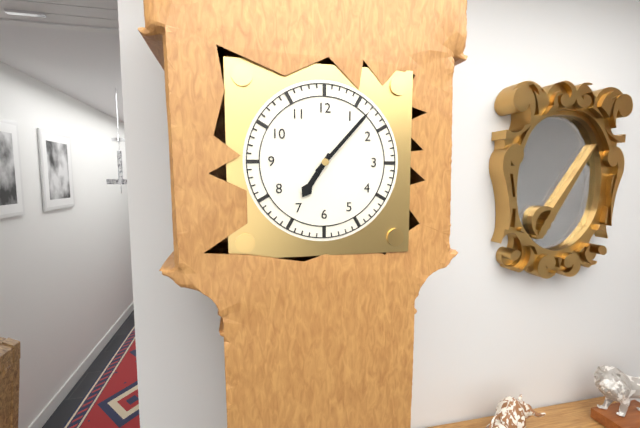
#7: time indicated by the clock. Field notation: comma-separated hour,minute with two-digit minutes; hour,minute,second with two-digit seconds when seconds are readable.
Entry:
7,07
